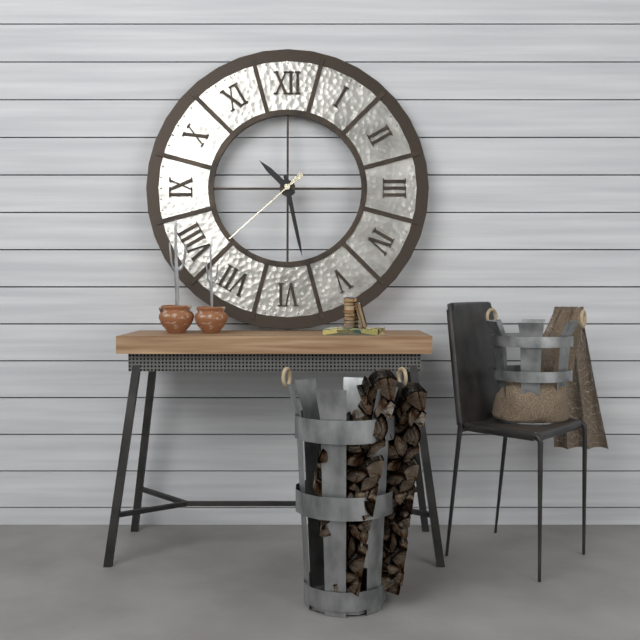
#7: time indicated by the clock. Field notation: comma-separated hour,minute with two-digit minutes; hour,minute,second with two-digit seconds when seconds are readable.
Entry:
10,28,38
